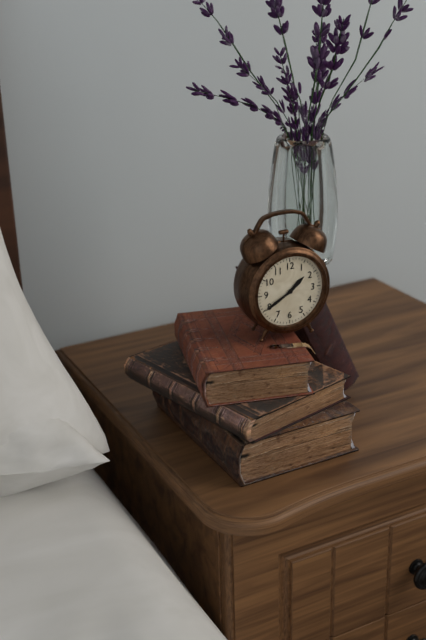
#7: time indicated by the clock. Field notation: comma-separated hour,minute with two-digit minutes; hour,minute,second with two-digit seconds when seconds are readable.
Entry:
1,40
